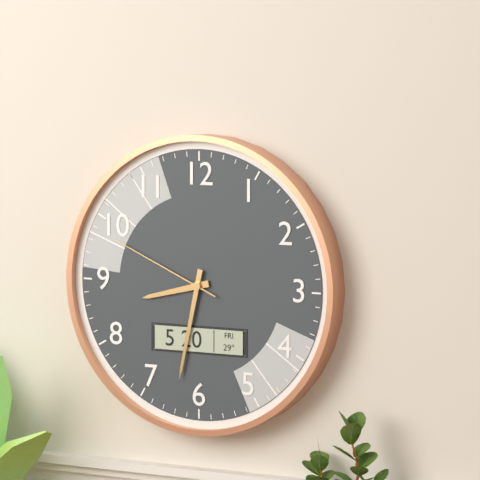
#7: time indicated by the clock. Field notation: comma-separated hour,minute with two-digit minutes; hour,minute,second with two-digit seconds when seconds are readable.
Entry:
8,32,49
